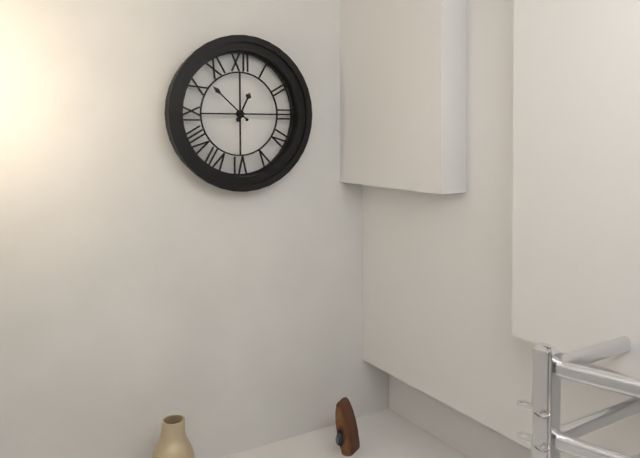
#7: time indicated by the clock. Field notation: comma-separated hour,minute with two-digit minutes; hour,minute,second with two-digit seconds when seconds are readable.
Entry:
12,52
